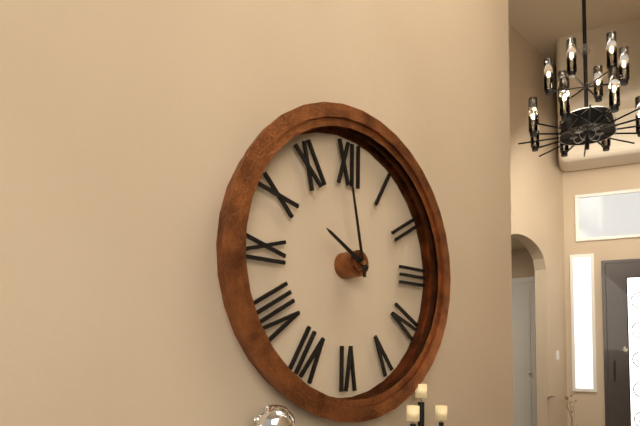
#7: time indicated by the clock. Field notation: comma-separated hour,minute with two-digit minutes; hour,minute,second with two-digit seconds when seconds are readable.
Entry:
9,58
